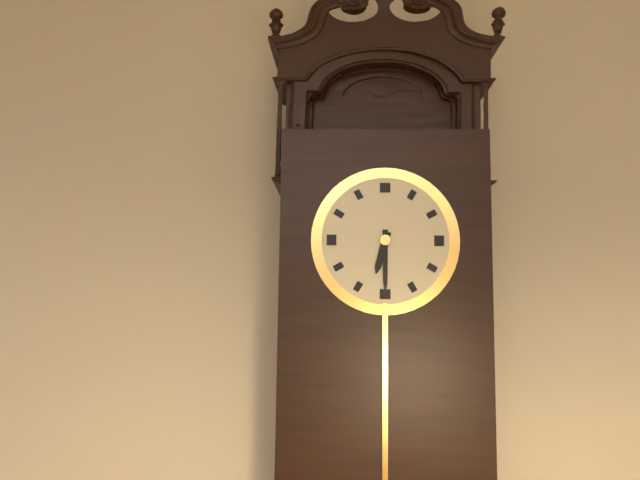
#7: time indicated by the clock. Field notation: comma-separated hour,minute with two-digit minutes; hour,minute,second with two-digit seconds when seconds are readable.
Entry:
6,30
